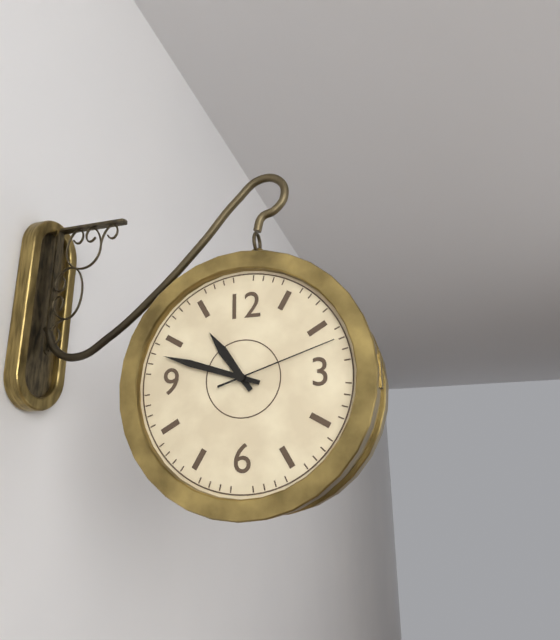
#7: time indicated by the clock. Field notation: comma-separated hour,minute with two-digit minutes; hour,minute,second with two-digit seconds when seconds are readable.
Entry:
10,48,12
